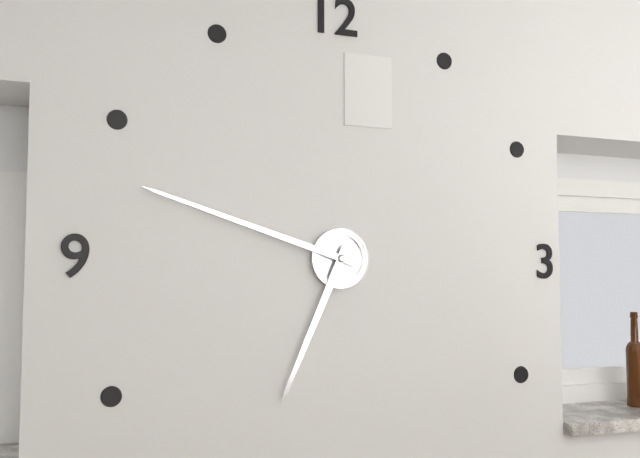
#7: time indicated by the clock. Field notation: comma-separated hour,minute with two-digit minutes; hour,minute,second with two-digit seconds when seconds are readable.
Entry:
6,48
